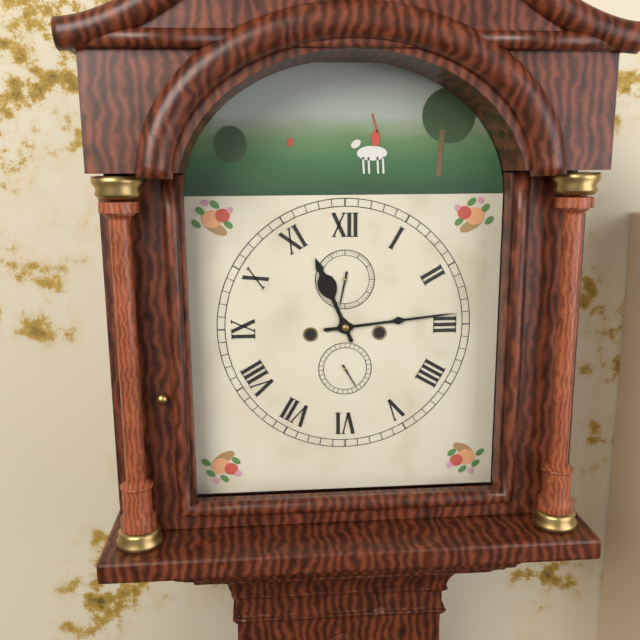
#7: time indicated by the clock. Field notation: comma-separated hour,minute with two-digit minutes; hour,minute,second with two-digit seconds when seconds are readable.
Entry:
11,14
